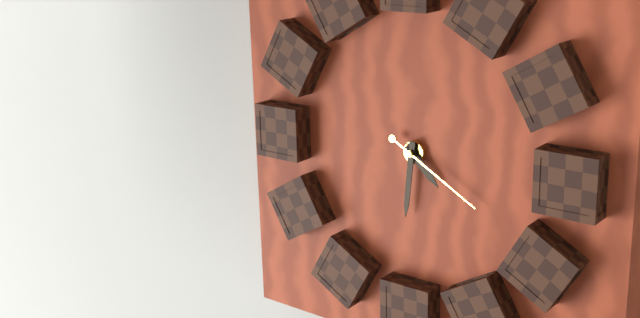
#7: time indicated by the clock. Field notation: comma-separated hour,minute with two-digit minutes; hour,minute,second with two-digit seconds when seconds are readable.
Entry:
4,31,20
